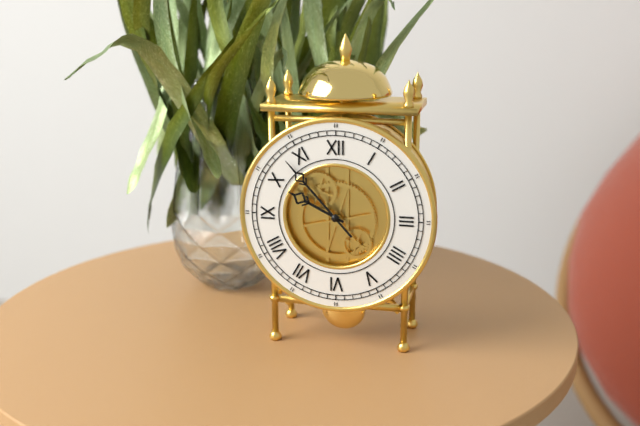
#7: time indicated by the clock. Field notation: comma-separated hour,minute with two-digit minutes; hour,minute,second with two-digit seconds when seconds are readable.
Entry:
9,53
